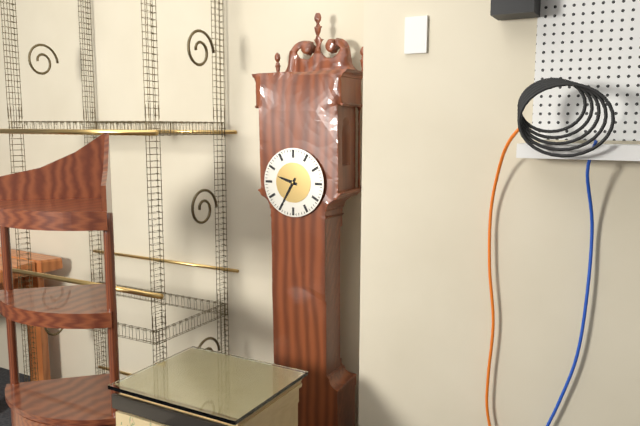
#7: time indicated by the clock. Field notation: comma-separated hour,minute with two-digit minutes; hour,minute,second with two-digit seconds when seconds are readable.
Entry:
9,35
